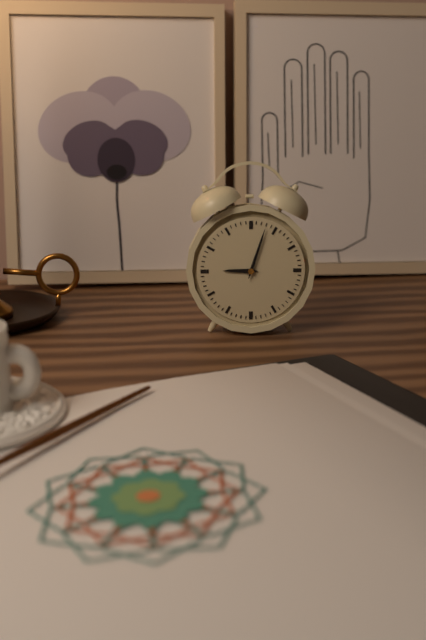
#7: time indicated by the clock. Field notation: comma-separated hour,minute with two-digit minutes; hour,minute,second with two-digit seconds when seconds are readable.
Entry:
9,03
